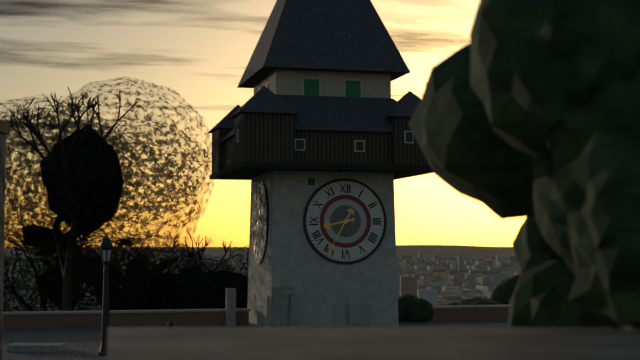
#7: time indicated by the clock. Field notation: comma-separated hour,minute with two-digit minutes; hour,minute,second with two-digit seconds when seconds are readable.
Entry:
8,35
